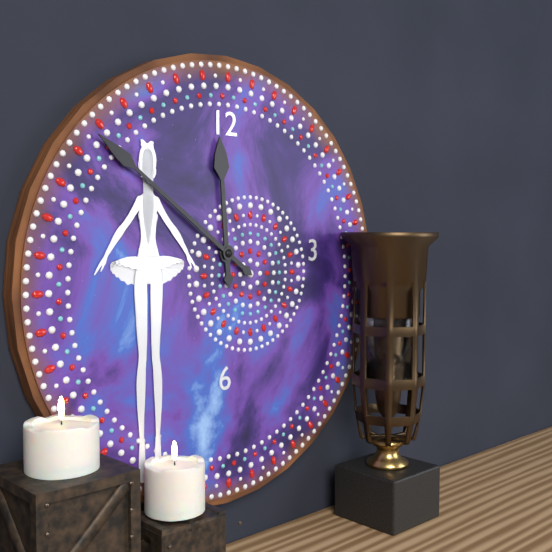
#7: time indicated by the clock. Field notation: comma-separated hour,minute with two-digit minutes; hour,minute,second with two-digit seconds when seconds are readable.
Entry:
11,51
